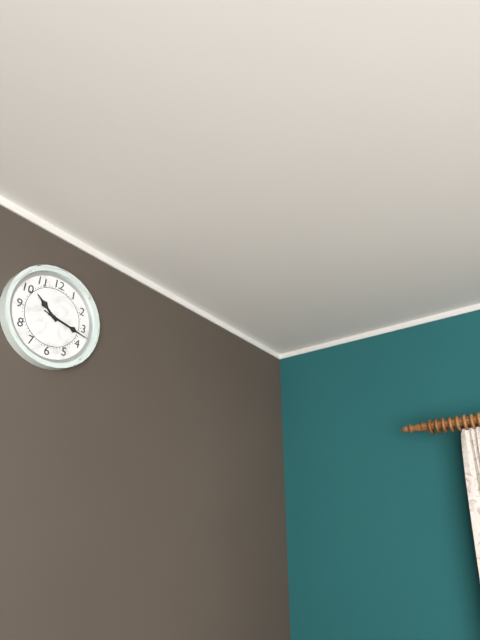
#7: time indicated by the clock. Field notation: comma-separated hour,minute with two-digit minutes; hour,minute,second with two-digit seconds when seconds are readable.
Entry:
10,17,17
